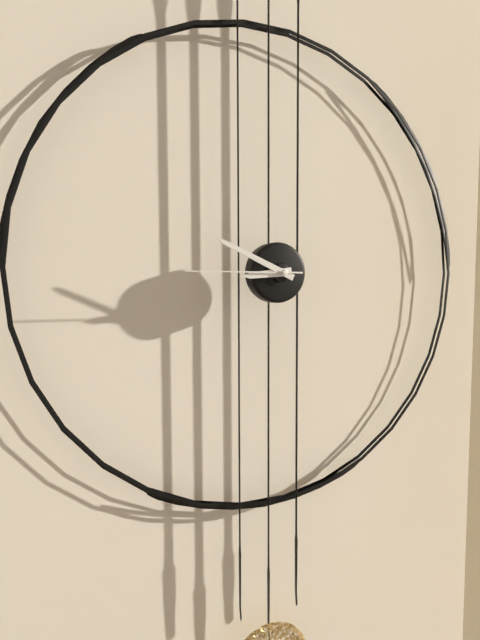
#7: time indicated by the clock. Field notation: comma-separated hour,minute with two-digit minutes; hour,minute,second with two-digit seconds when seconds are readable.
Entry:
8,49,45
